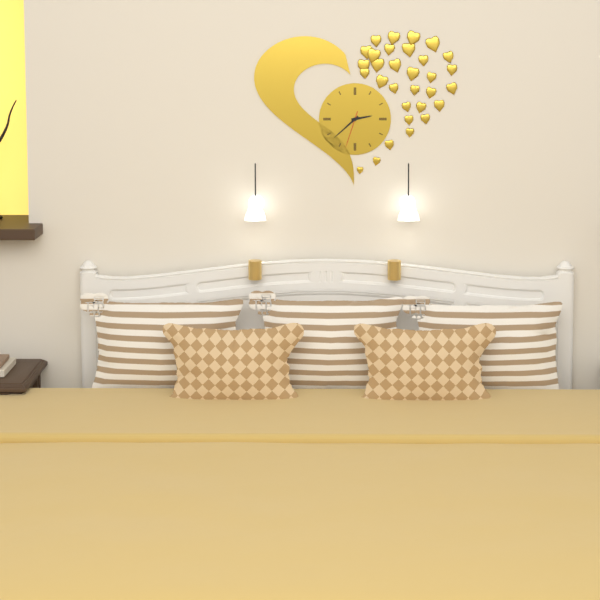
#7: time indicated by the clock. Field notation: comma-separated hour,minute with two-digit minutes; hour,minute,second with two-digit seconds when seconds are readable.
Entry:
2,38
